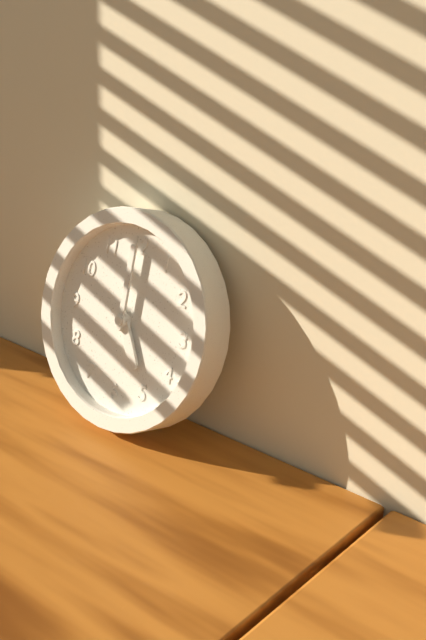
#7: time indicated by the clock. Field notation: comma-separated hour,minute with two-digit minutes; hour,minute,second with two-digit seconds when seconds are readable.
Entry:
5,00
